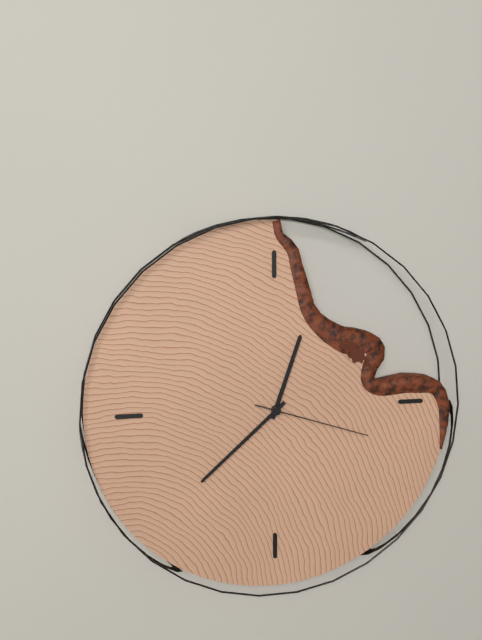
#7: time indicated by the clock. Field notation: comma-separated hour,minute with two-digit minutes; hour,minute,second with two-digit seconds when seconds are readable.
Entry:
12,38,18
